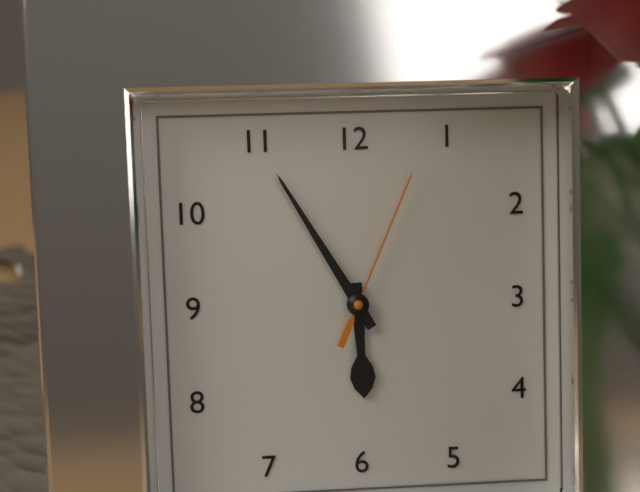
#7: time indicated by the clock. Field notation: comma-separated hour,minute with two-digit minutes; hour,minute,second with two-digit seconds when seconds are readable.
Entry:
5,55,04
